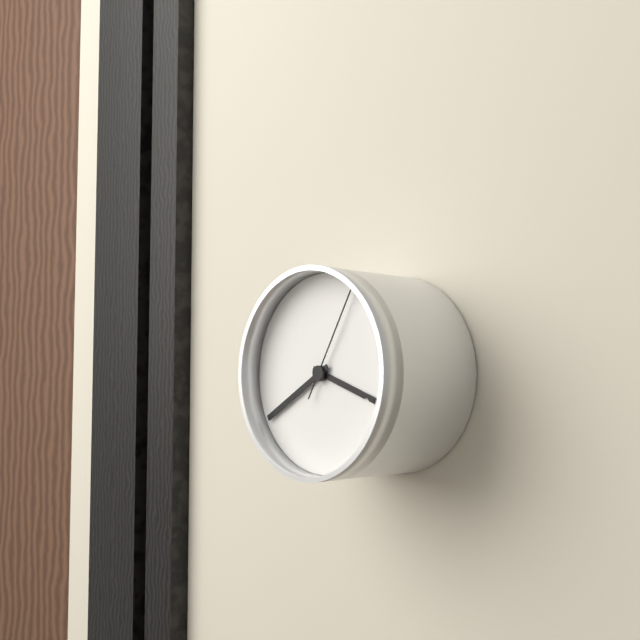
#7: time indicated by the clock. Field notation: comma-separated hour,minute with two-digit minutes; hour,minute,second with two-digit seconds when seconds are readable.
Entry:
3,40,05
